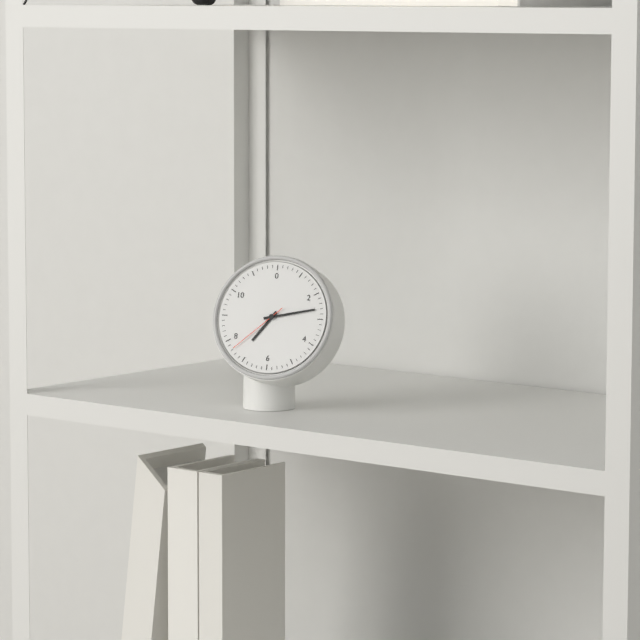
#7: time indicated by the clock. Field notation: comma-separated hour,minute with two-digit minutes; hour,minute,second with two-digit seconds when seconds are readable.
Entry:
7,13,38
